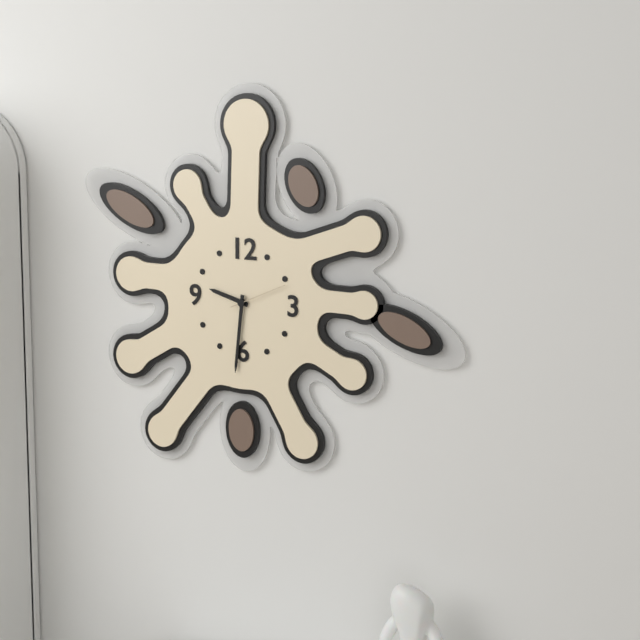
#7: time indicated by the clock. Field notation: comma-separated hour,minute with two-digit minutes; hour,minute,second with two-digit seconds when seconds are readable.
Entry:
9,31,11
